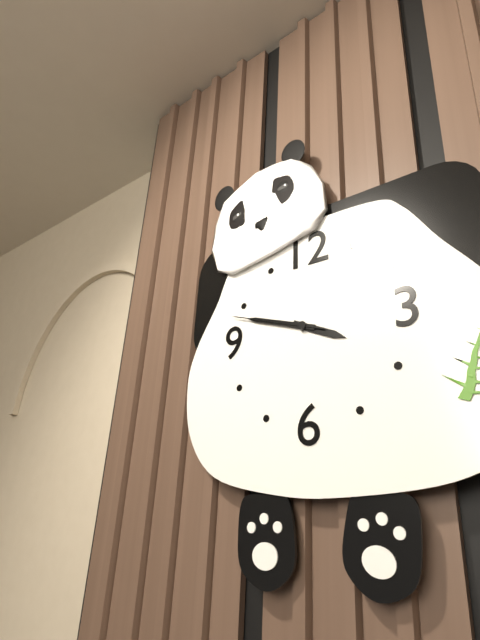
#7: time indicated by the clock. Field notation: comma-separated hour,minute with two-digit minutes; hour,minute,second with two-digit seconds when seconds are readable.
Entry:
3,48,48
